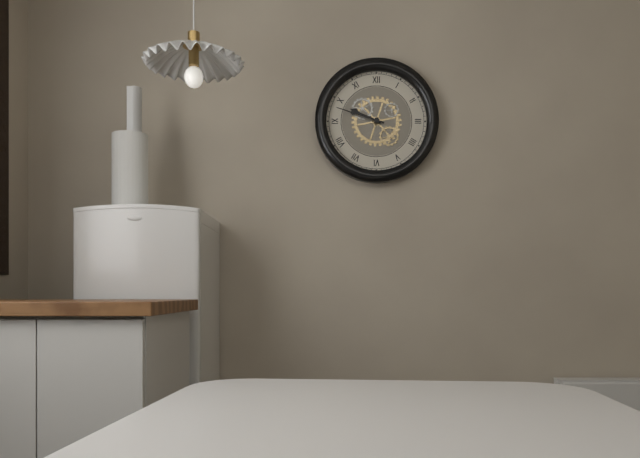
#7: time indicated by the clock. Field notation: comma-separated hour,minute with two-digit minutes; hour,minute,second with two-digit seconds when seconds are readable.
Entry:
9,48
